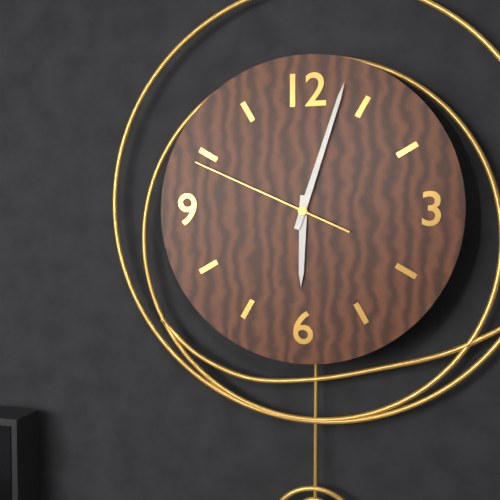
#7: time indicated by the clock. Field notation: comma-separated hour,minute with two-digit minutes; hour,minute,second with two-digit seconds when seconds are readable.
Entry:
6,03,49
